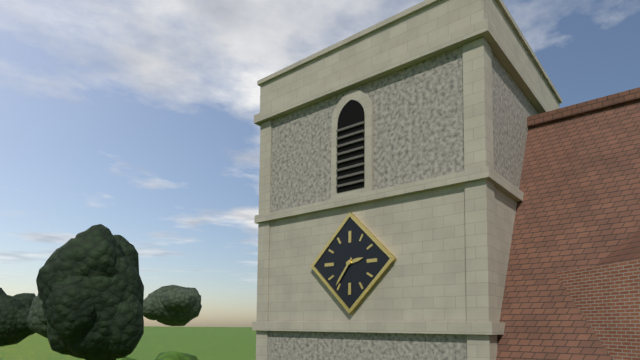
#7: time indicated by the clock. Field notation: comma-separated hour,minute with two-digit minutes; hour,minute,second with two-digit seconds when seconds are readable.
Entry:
2,36
